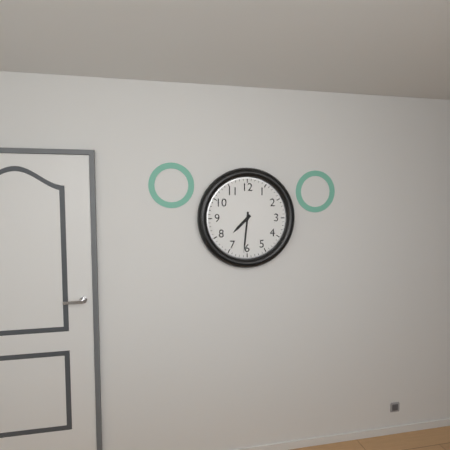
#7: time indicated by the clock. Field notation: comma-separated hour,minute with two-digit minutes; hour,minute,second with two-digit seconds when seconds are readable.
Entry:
7,31
